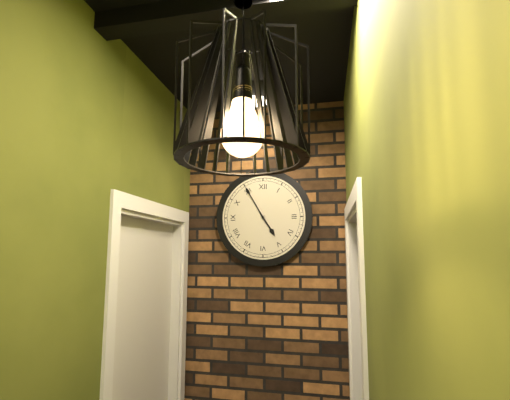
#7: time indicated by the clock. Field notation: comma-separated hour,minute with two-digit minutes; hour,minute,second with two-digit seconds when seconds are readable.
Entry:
4,55
